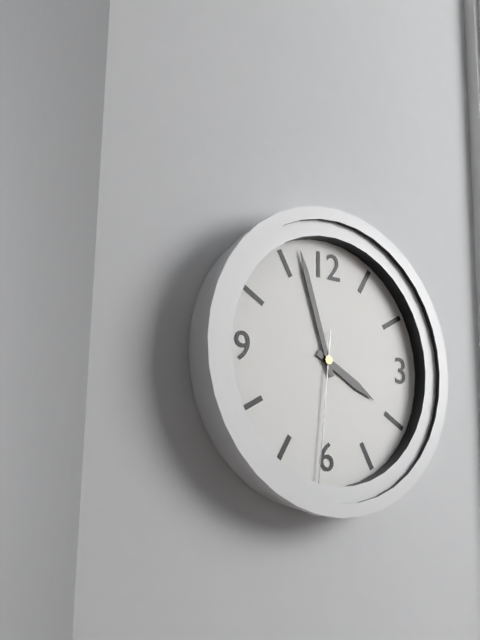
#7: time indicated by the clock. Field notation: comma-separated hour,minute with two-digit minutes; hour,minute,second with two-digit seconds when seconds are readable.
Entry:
3,57,31
